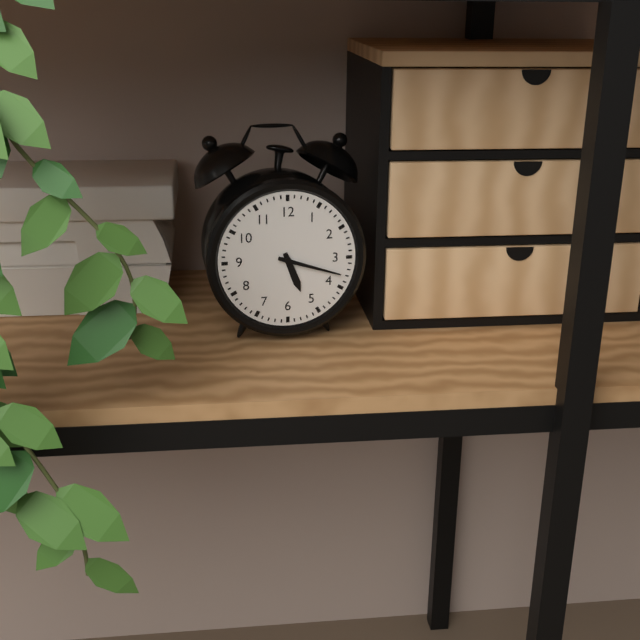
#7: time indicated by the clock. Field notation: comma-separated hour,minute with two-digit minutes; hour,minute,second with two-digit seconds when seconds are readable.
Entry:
5,18
